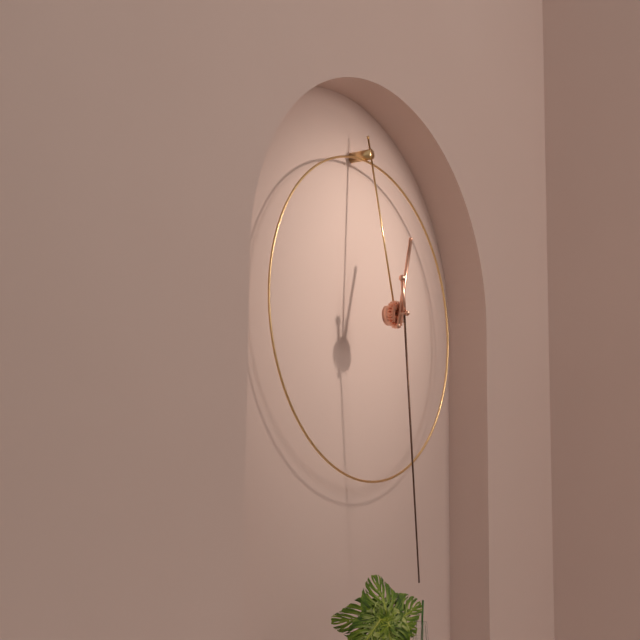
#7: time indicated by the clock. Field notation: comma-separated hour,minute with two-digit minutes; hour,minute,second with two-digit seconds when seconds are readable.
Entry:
12,29
